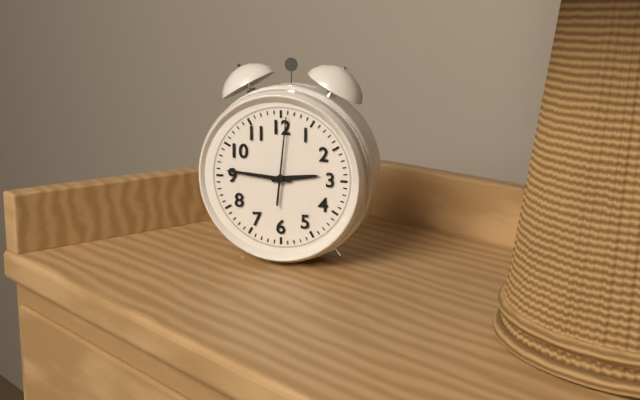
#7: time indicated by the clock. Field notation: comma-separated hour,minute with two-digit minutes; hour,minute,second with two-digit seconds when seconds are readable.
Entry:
2,46,01
